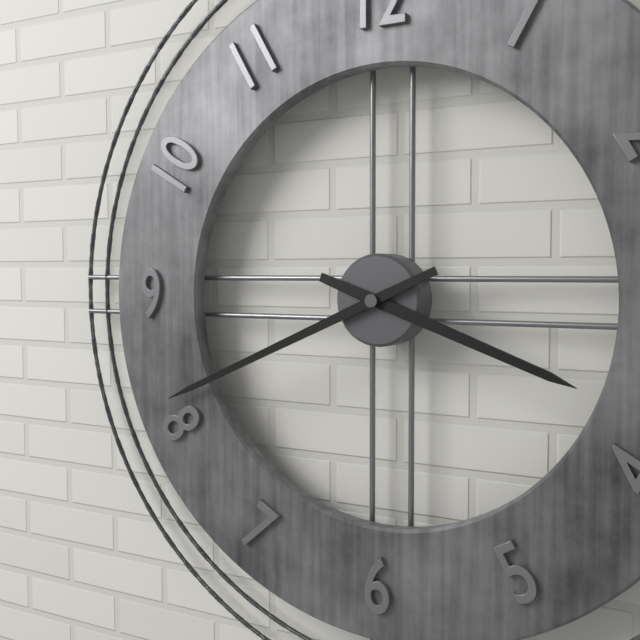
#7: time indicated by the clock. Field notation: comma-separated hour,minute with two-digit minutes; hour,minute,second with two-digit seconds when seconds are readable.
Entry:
3,41
